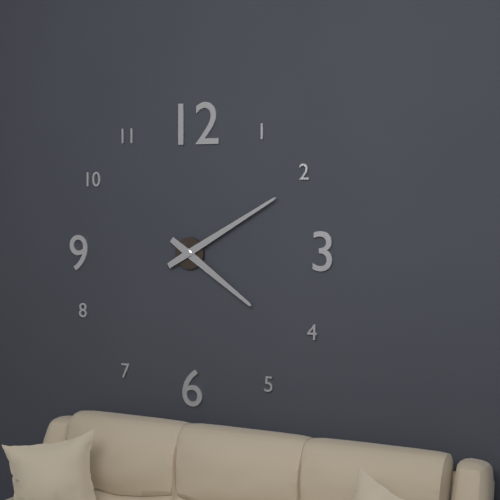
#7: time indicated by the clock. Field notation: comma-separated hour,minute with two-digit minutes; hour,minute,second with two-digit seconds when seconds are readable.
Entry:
4,10
